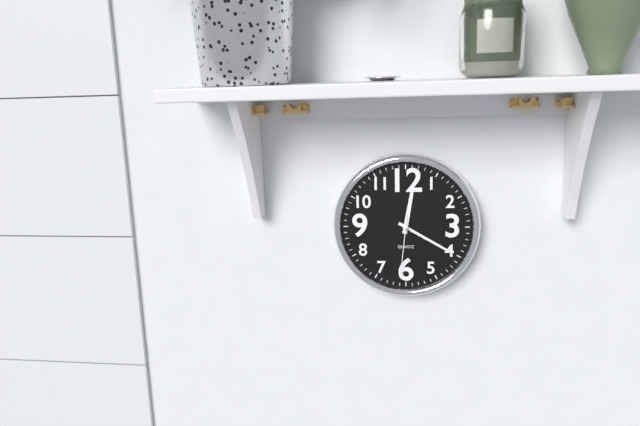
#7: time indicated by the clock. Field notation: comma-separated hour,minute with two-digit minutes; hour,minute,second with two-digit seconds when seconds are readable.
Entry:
12,20,31
